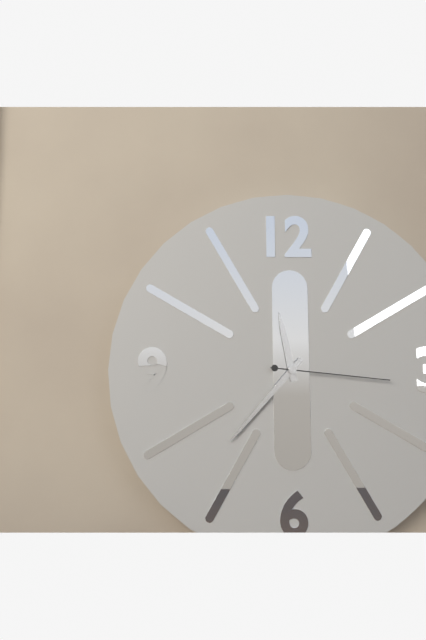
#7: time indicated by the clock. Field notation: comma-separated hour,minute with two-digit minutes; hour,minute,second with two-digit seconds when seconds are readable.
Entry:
11,37,16
